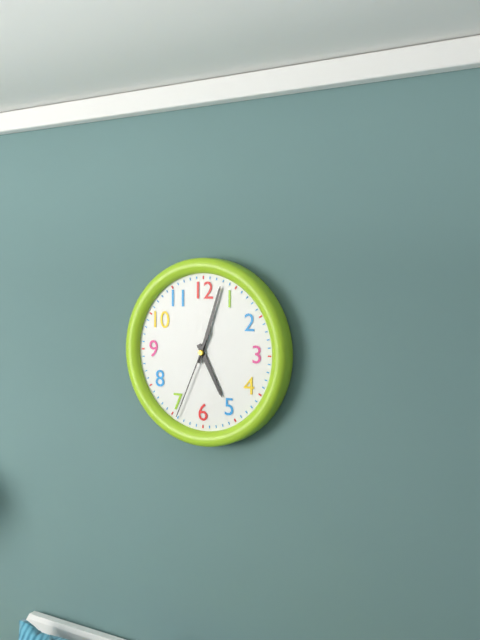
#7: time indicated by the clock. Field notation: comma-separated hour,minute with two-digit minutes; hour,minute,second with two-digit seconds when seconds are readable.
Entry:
5,03,34
